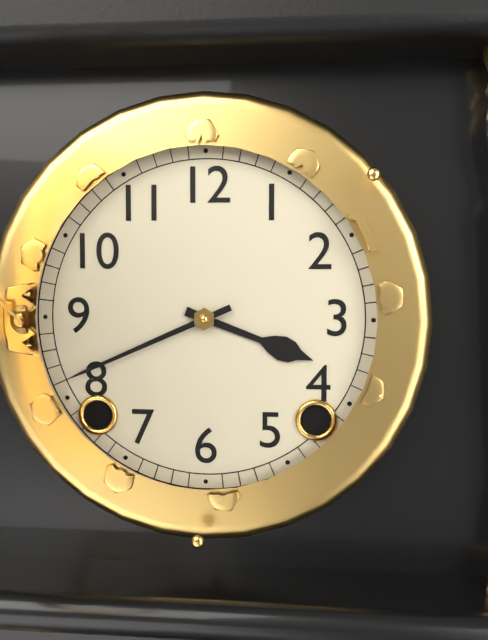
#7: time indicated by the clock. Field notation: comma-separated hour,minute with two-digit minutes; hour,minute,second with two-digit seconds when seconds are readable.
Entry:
3,41
